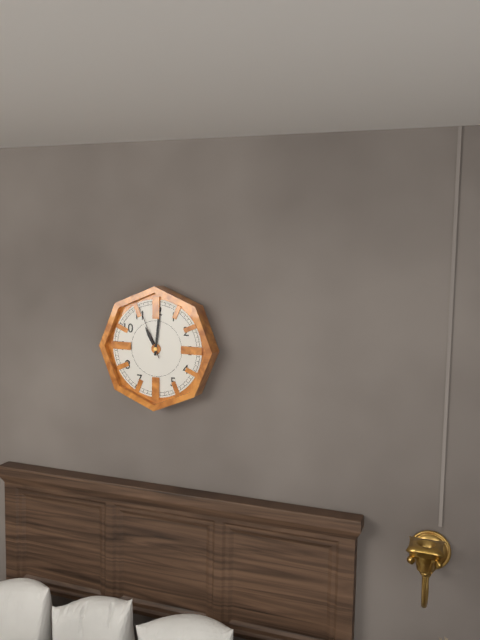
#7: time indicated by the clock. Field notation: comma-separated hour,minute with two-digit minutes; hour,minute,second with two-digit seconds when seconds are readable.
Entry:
11,01,56
